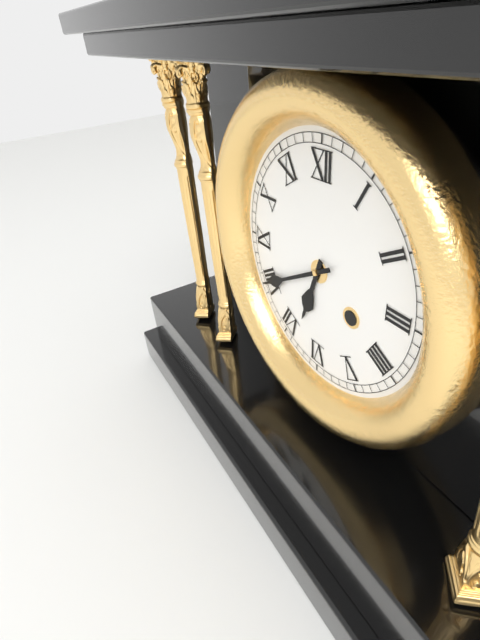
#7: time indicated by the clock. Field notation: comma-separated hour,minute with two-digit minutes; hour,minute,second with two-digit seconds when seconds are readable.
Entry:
6,40
